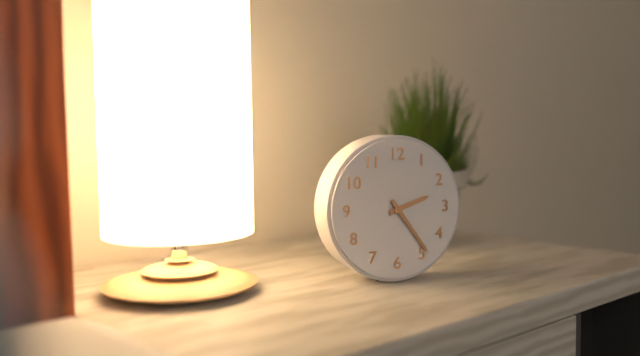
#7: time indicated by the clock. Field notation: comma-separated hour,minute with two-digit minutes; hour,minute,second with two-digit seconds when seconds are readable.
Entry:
2,24
